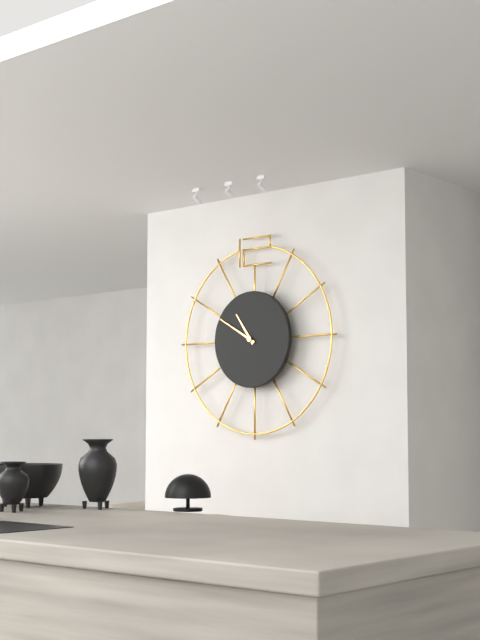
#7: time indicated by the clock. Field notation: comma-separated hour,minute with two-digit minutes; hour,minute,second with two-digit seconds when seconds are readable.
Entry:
10,50
